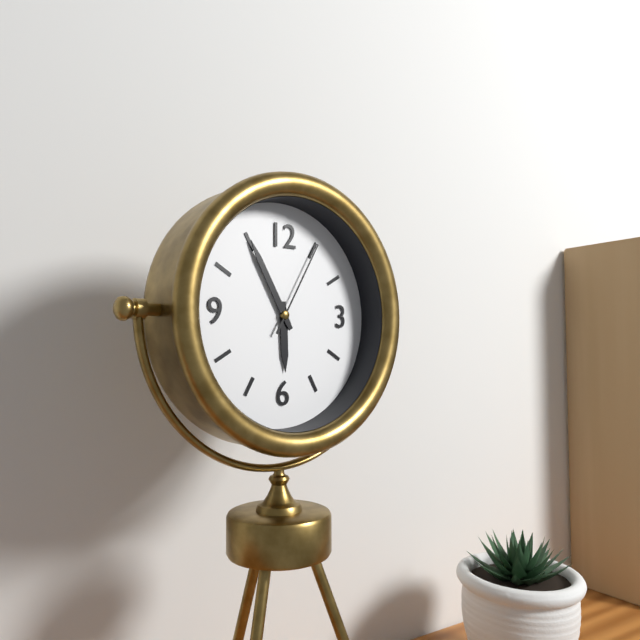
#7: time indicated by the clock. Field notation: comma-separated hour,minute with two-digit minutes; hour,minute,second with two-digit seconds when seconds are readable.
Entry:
5,55,05
